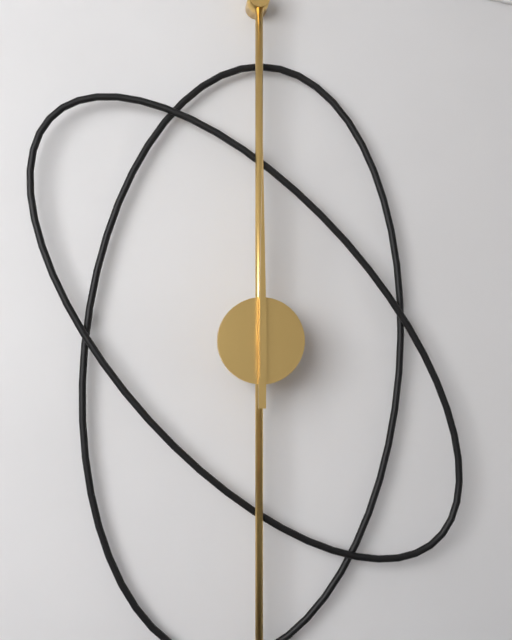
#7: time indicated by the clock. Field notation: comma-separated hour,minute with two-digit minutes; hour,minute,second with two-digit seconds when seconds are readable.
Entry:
12,00
